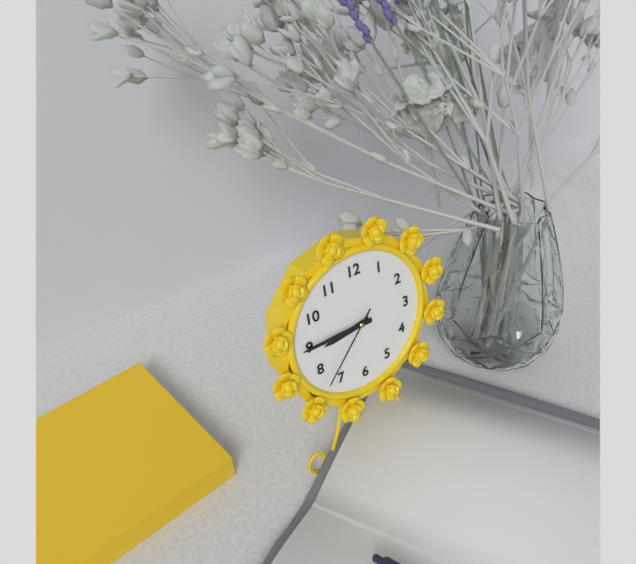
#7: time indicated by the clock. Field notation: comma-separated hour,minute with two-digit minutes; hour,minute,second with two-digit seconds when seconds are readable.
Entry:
8,45,37
